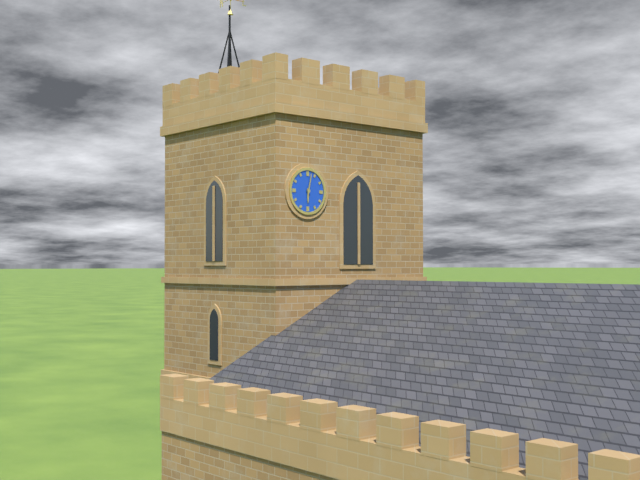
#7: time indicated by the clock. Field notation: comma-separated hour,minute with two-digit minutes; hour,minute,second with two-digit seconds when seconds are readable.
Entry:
6,02
